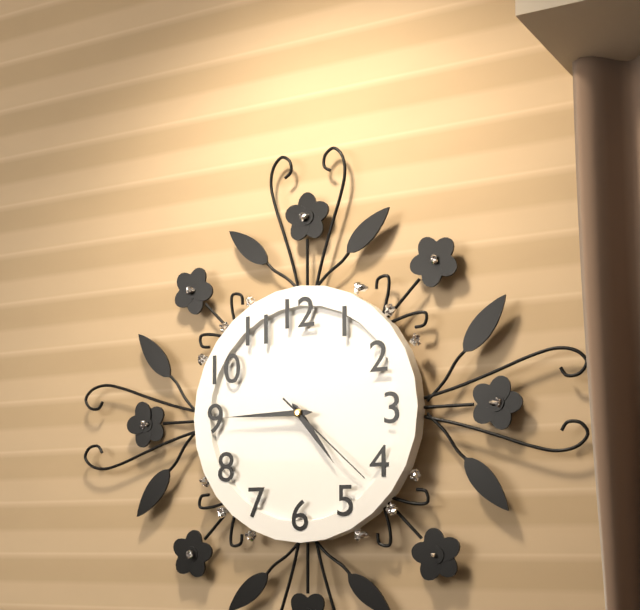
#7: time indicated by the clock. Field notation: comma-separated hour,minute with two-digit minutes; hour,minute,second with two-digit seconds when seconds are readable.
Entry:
4,45,22
